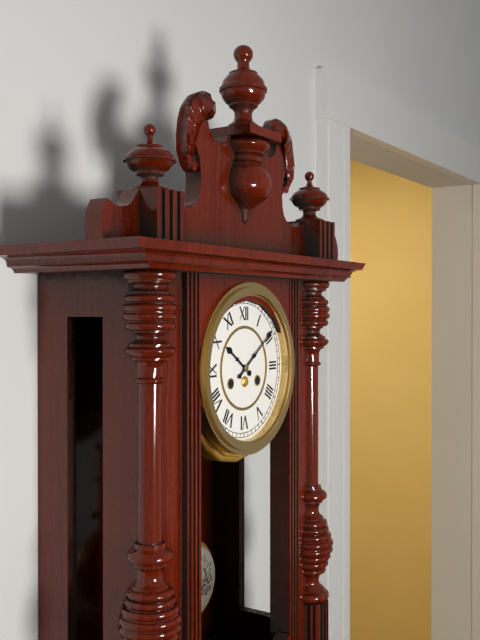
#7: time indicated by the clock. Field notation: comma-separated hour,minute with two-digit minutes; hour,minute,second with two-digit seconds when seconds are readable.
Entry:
10,09
